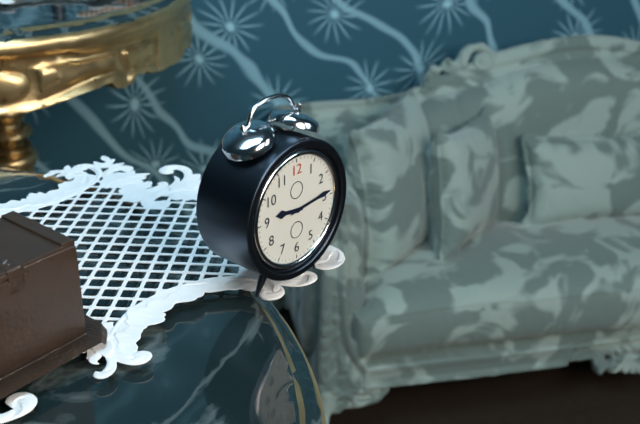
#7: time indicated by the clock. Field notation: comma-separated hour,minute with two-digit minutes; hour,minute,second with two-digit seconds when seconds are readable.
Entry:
9,14
